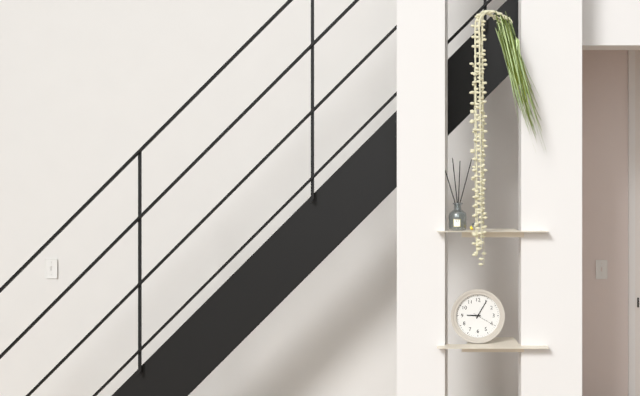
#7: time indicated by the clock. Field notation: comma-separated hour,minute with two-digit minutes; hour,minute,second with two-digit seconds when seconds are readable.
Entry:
9,05
